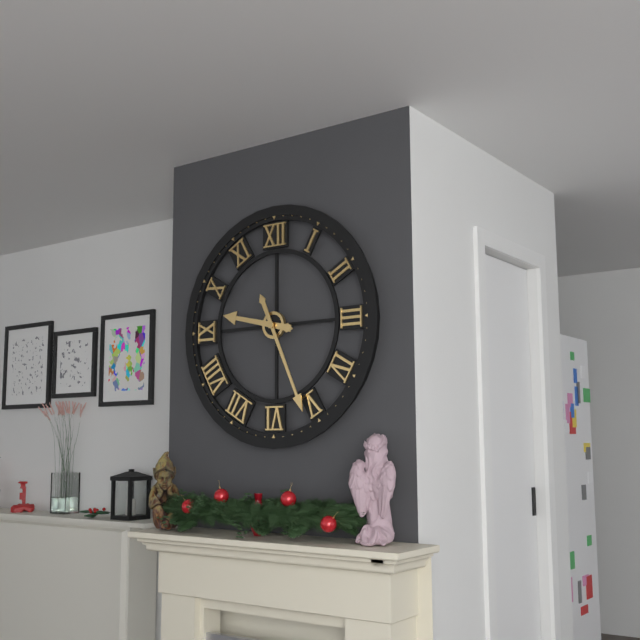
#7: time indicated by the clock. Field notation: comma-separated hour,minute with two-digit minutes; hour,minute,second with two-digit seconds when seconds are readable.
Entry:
9,26
